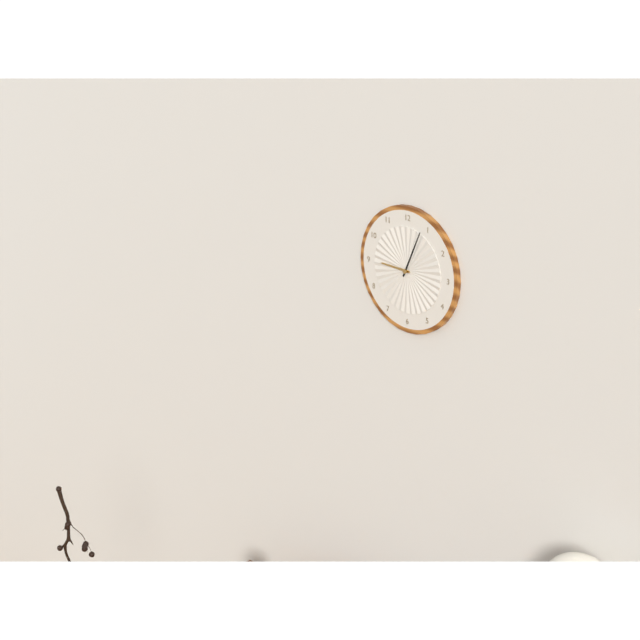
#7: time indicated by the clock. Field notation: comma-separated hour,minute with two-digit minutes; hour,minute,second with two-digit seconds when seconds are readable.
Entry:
9,04
